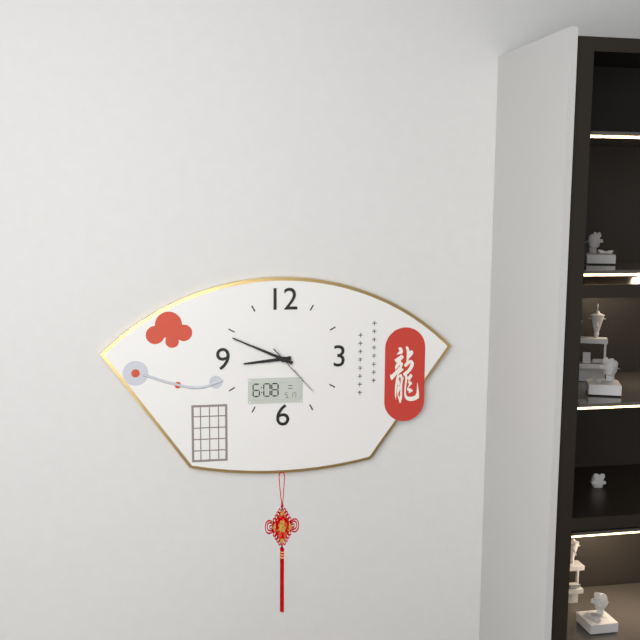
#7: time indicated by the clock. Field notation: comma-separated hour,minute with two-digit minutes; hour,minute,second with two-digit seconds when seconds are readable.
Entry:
8,49,23
